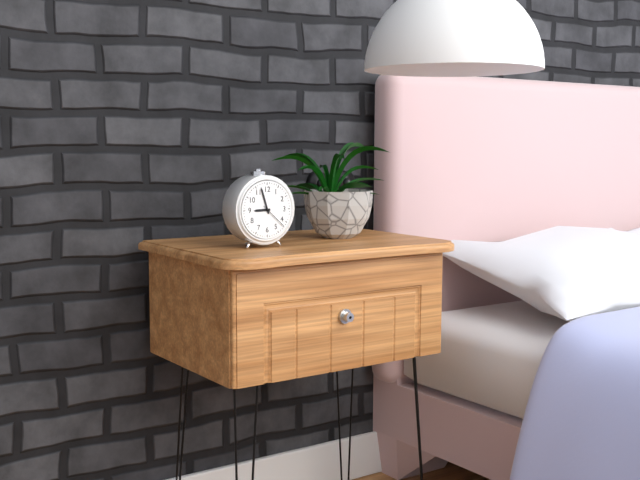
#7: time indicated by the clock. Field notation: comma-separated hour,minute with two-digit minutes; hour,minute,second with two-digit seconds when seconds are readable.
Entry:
8,57
